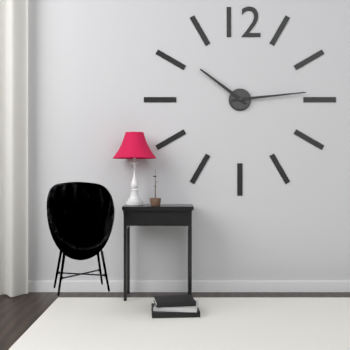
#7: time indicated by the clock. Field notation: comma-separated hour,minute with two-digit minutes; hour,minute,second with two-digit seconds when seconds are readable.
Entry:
10,14
